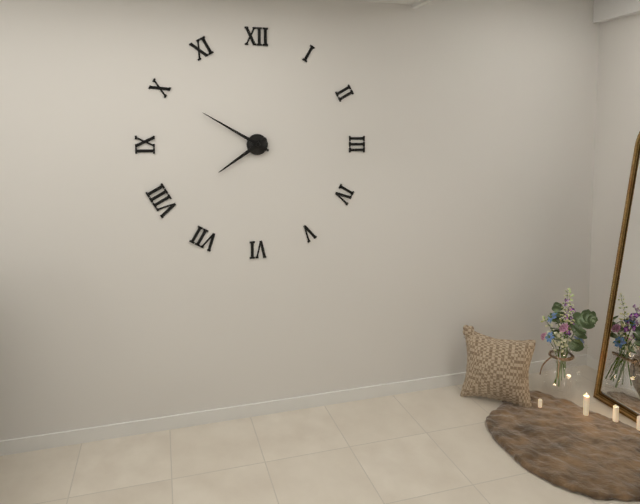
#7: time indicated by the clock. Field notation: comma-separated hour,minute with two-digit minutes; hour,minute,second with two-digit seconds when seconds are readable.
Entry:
7,50
